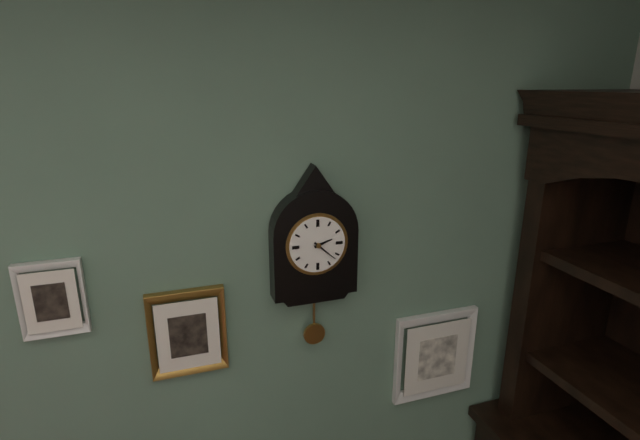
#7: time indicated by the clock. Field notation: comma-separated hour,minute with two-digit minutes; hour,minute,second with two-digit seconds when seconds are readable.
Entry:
2,22
